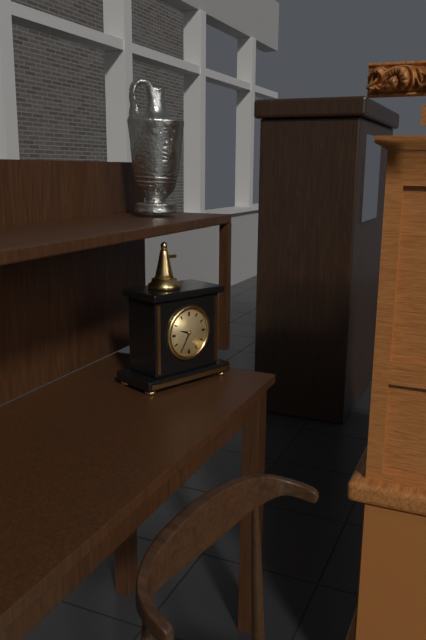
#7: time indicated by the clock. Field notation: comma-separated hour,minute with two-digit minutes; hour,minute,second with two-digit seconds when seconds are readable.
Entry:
9,35
